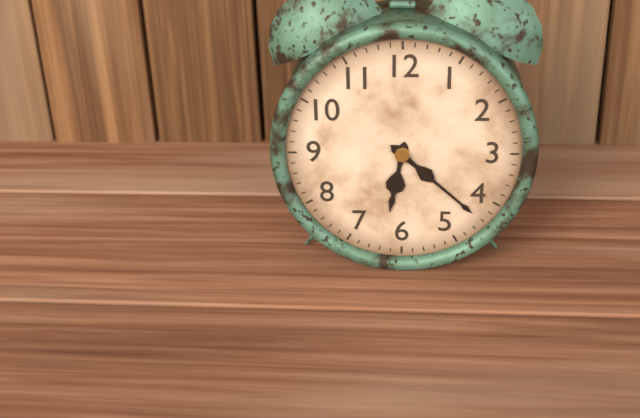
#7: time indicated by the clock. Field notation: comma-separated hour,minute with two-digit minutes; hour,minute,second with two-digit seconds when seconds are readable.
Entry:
6,22
